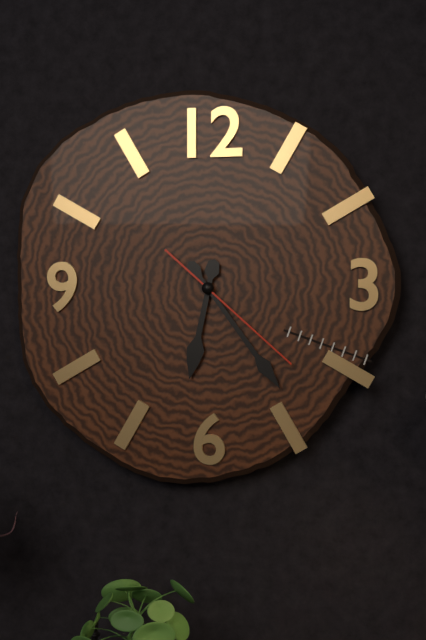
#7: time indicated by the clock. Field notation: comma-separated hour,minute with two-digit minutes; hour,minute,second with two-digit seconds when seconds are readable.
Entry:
6,24,22
